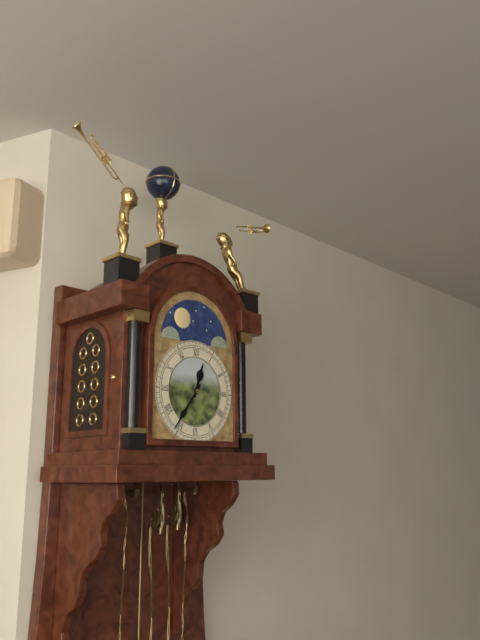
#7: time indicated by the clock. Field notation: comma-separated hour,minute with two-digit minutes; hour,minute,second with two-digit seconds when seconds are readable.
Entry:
12,36
